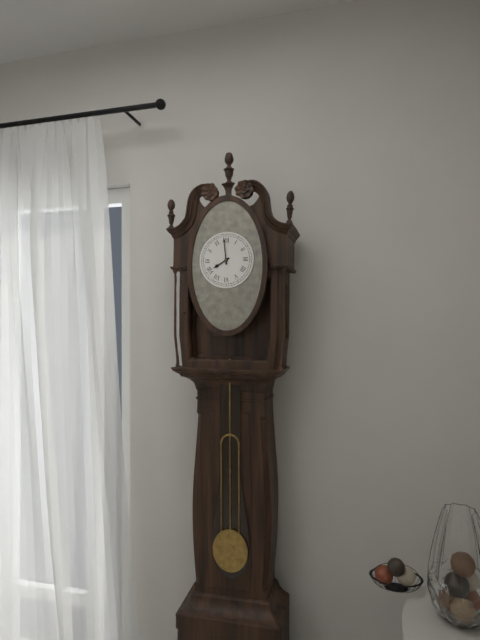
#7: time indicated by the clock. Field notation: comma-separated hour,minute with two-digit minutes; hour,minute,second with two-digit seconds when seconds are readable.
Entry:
7,59
